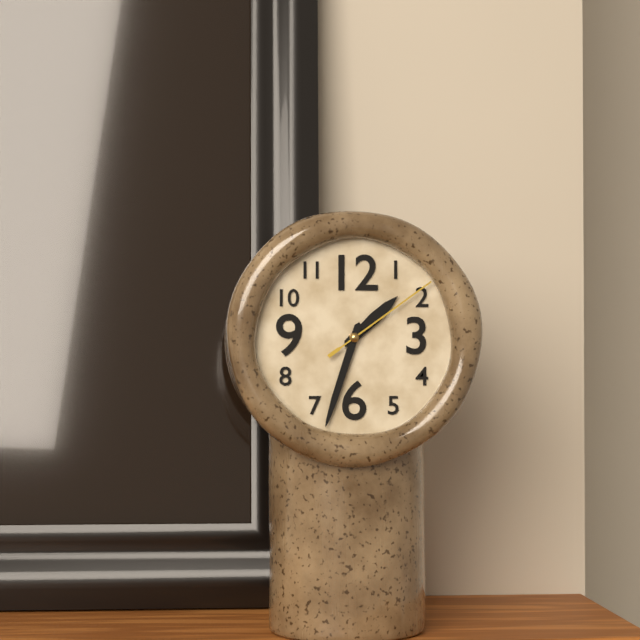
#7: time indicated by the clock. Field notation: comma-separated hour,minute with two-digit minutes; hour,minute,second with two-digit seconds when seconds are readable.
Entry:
1,33,09
